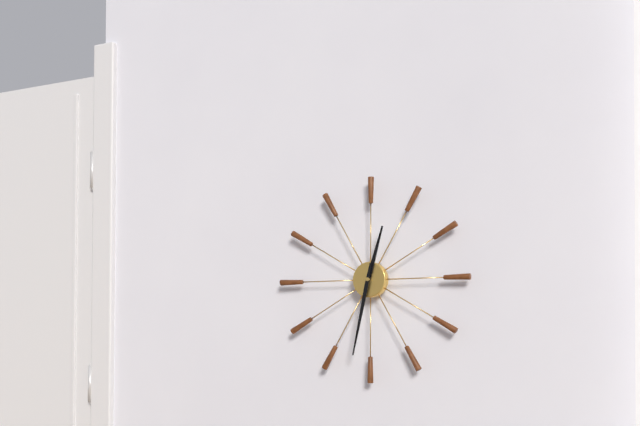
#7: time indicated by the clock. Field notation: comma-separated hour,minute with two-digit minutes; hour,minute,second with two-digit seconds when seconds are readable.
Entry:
12,32
